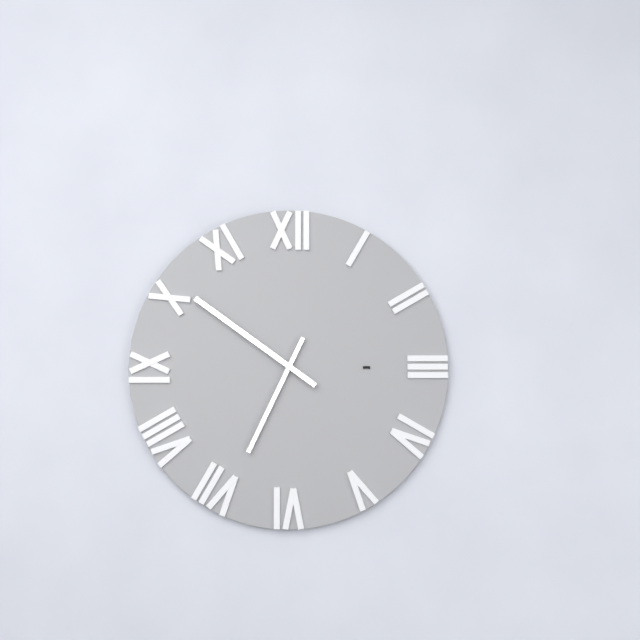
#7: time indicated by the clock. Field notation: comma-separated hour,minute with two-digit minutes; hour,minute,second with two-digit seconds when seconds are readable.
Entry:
6,51
